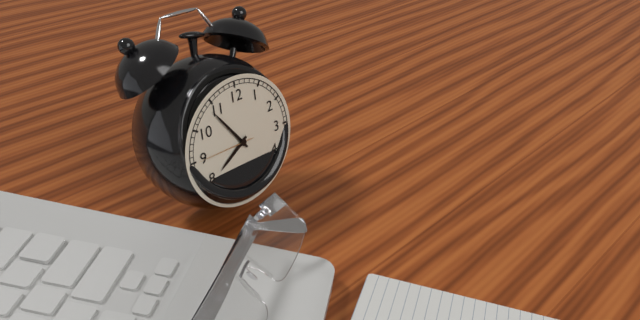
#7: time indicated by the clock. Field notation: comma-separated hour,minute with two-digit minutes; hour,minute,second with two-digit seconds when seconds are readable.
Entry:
7,54,45
